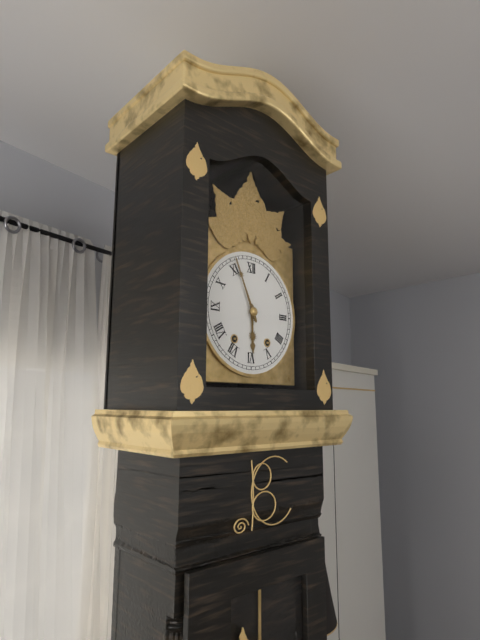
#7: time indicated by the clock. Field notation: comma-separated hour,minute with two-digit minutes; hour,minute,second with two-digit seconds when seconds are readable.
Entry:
5,56
